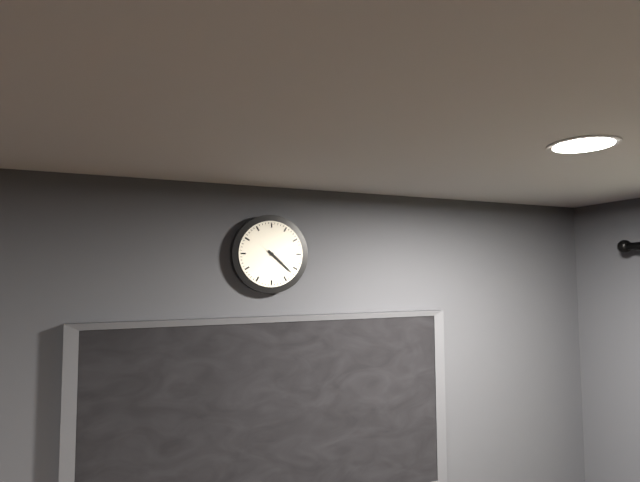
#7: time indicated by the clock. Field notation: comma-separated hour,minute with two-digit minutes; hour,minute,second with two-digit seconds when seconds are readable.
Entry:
4,22
